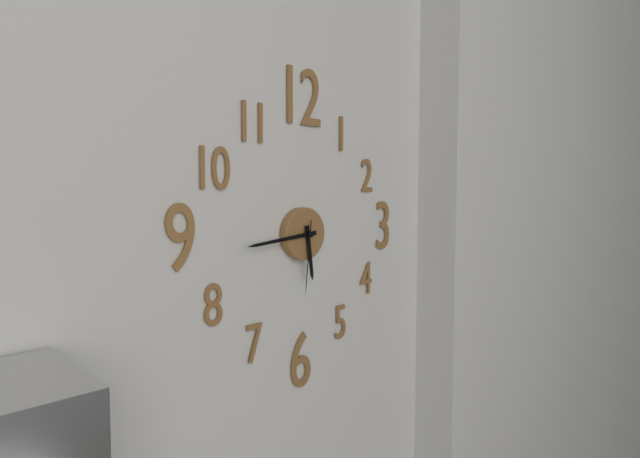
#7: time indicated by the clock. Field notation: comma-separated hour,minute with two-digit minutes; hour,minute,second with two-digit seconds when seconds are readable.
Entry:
5,44,31
